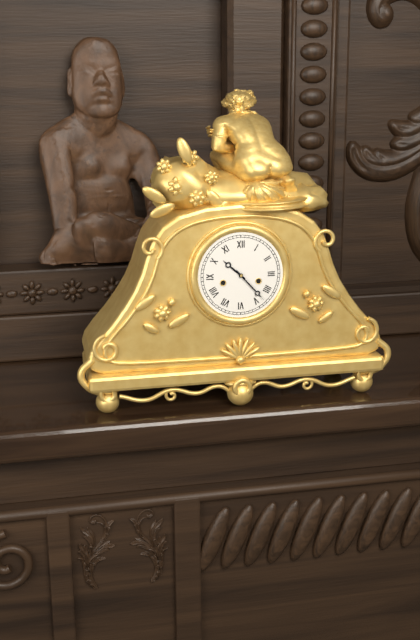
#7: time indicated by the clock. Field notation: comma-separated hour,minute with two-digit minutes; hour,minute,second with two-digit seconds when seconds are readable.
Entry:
10,23
